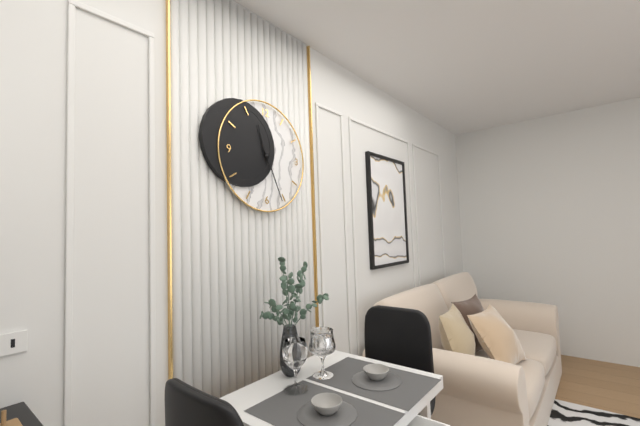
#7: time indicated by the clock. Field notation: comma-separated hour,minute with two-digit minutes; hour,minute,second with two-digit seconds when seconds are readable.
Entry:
11,26
